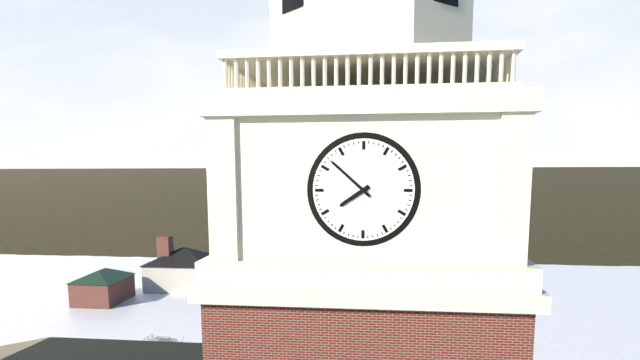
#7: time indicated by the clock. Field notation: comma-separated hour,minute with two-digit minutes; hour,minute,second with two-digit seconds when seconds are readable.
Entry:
7,52
